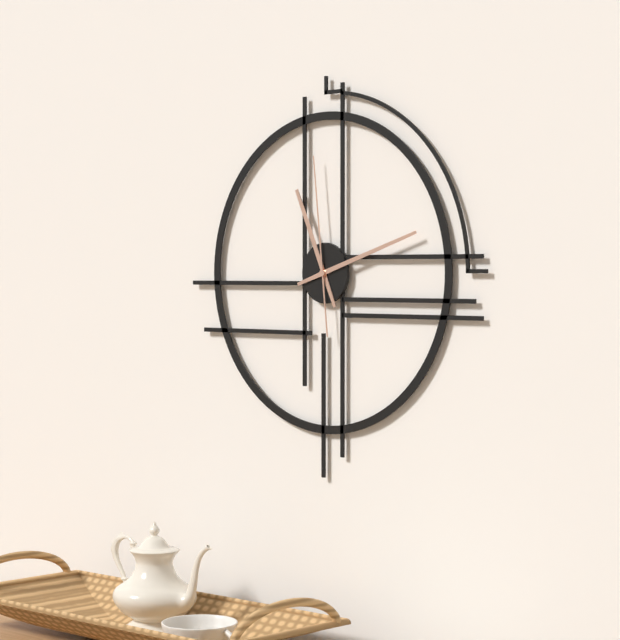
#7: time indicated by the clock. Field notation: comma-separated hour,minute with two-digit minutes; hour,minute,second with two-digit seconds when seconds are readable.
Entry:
11,12,59
